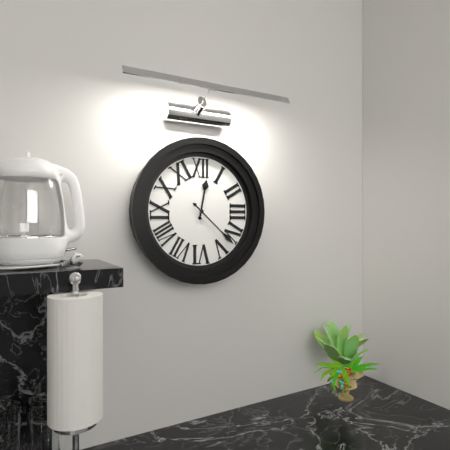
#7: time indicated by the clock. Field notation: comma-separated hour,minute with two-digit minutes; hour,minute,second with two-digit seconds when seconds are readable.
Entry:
12,22
